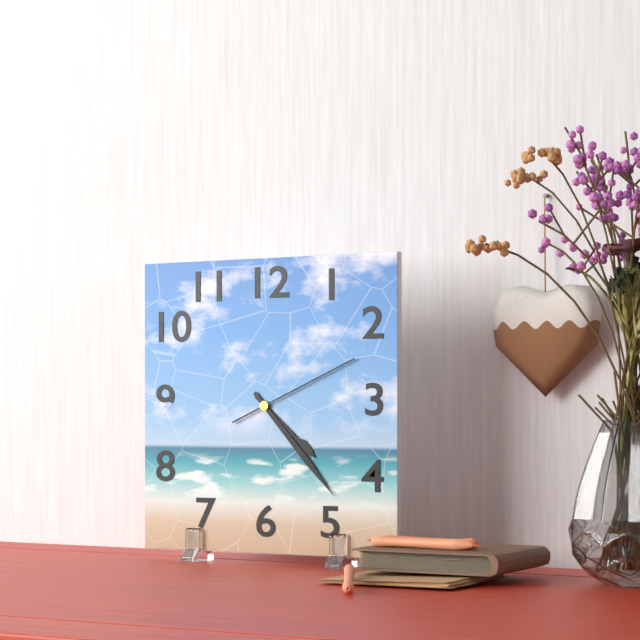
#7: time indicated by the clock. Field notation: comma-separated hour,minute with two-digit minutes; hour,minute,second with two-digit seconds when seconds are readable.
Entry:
4,23,11
